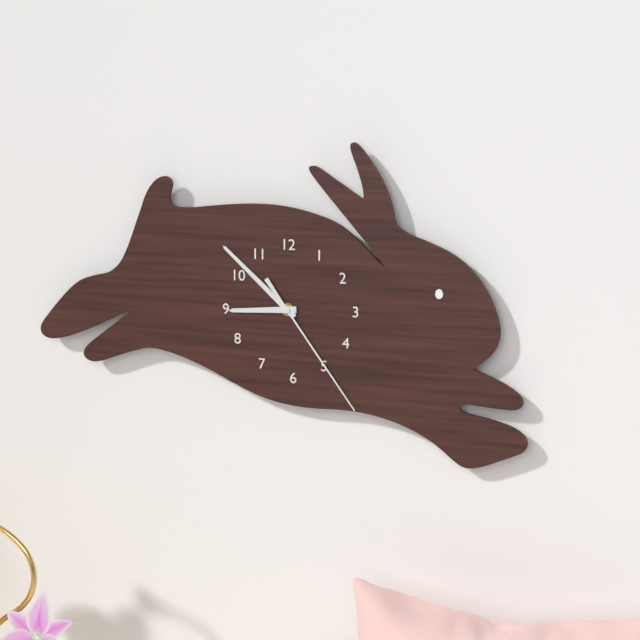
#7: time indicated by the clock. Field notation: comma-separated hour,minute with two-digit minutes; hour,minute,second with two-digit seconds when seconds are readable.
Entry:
8,52,24
